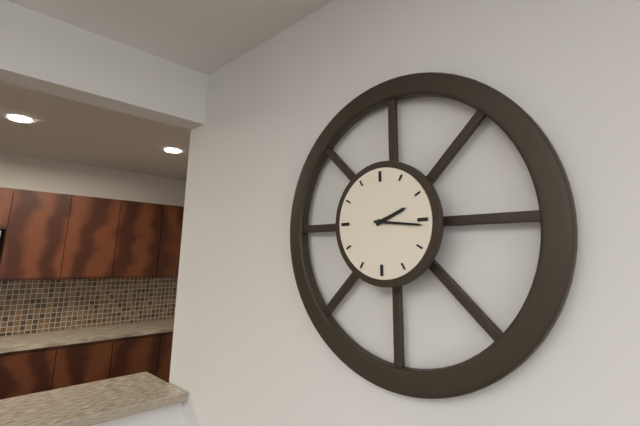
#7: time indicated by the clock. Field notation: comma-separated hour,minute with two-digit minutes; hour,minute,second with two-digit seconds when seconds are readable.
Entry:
2,16
